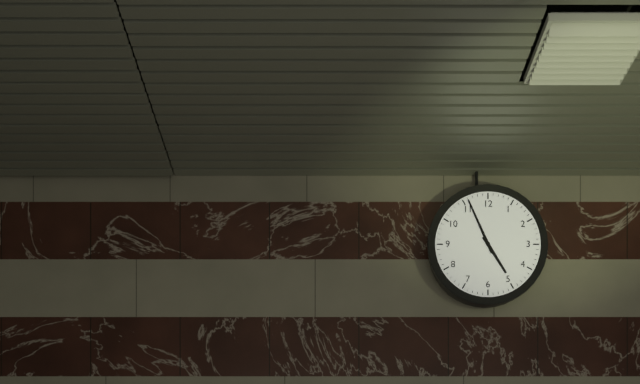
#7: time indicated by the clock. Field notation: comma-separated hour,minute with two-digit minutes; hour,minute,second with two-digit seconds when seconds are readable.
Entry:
4,56
